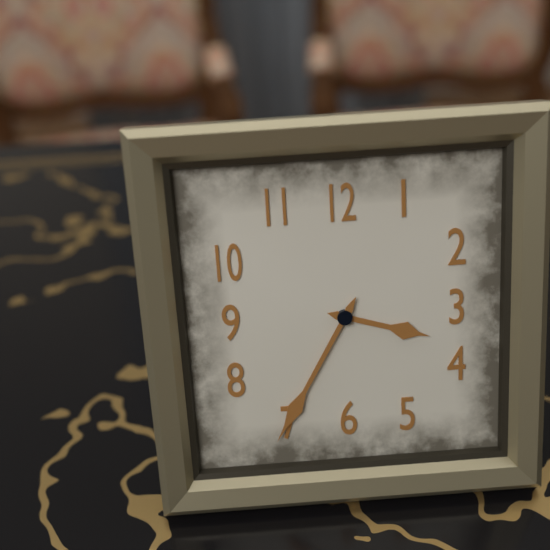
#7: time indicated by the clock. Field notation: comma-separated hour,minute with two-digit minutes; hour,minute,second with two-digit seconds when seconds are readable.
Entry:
3,35
